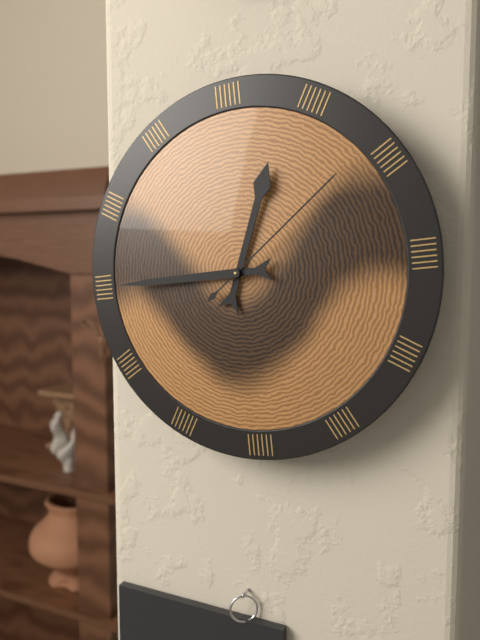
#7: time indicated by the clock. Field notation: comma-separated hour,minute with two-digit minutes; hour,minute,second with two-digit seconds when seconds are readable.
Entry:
12,45,09
